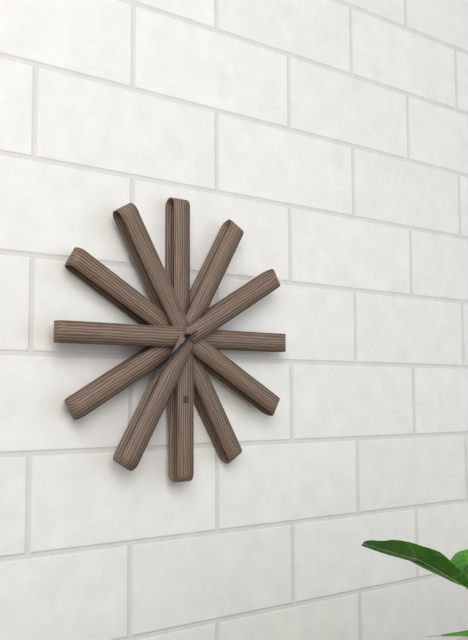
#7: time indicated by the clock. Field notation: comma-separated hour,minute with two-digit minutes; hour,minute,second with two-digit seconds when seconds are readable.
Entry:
7,38
